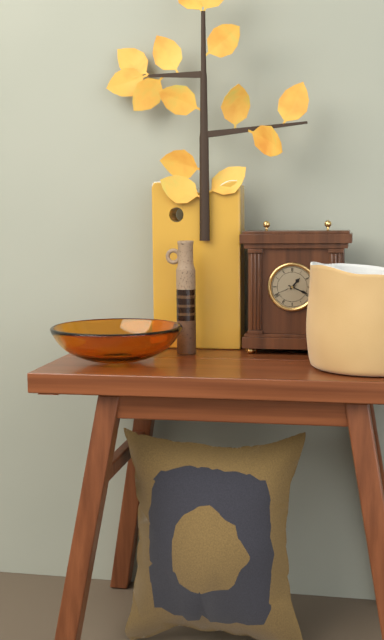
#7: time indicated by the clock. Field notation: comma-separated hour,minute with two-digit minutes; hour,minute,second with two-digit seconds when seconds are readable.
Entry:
1,19
